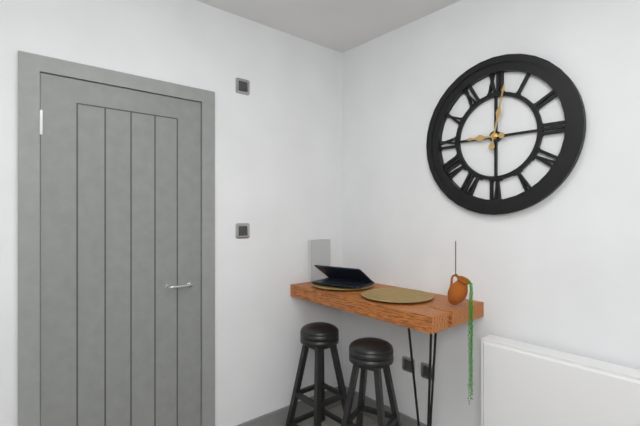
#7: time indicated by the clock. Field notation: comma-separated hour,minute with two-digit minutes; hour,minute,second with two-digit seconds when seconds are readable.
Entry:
9,02
